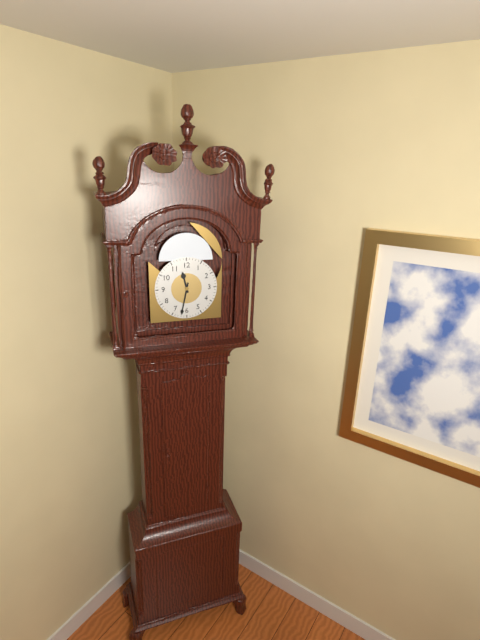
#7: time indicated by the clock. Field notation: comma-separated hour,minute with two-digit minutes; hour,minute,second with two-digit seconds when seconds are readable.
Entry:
11,32
